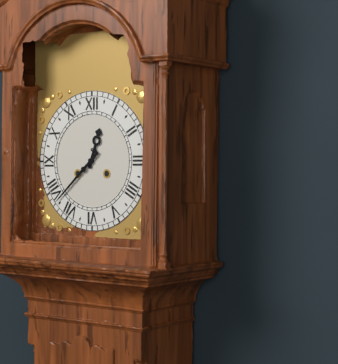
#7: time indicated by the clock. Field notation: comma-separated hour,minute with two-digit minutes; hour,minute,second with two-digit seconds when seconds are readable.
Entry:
12,38
